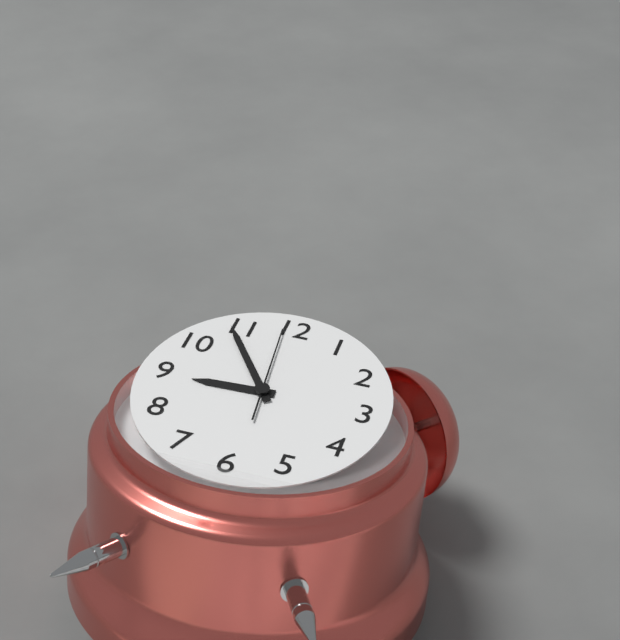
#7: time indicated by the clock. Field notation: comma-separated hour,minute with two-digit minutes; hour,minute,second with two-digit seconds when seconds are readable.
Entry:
8,54,59
